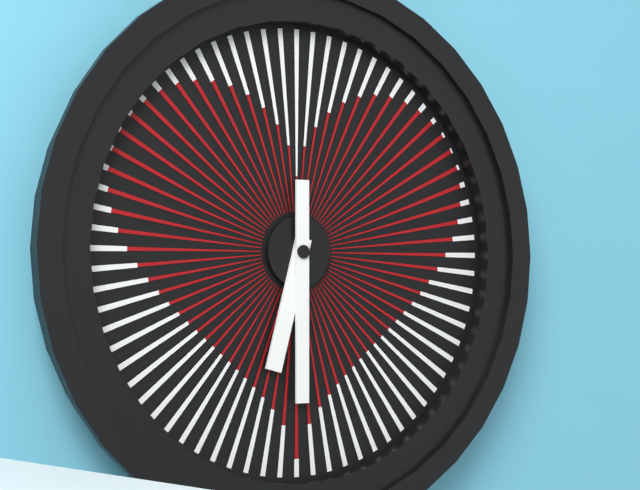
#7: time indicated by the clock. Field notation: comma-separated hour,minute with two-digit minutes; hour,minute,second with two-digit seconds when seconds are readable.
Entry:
6,30
